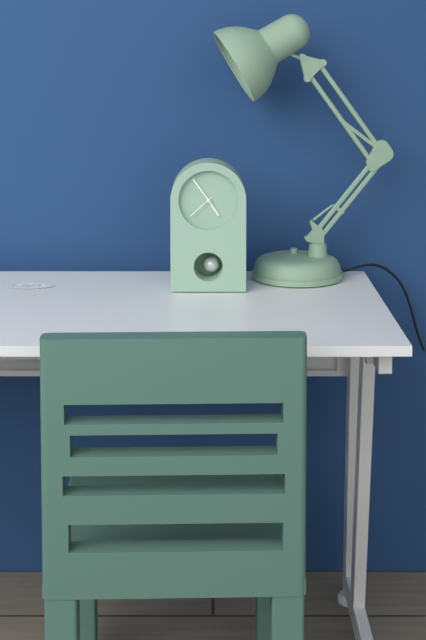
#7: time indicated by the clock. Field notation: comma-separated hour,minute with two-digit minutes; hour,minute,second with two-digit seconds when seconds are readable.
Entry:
4,54
